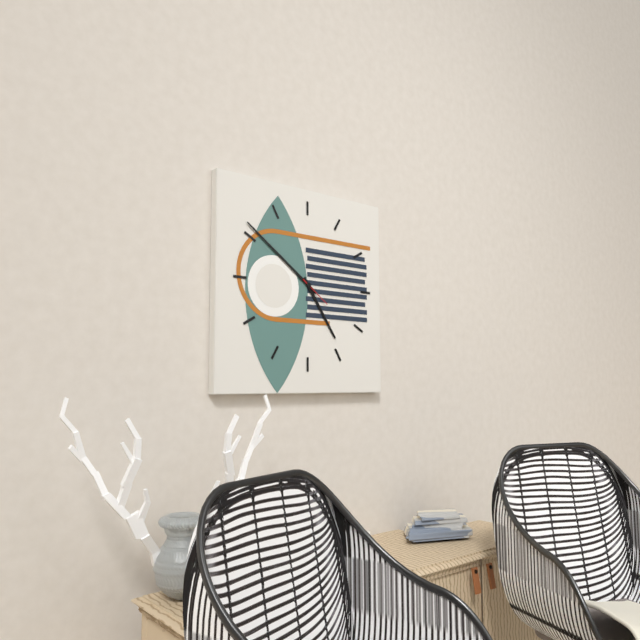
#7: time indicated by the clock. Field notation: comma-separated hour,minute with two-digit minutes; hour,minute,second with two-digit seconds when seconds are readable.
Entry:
4,51
